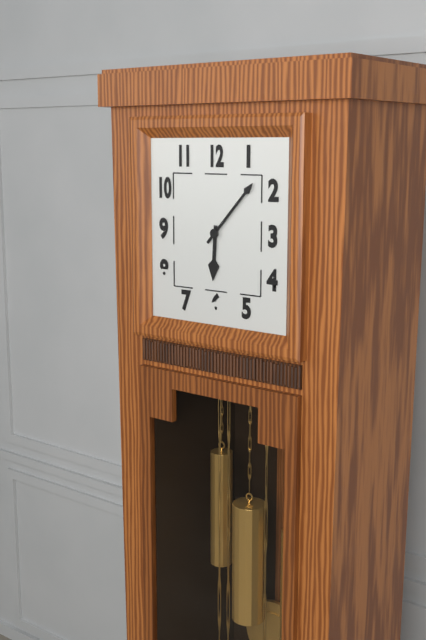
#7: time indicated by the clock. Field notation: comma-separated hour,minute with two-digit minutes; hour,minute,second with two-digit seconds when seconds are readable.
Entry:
6,07
